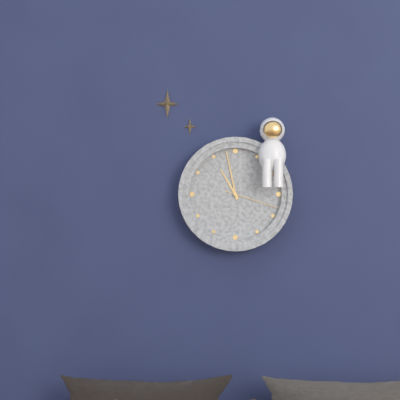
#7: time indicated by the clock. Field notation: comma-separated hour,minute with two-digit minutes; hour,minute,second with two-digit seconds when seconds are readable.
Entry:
10,58,18
